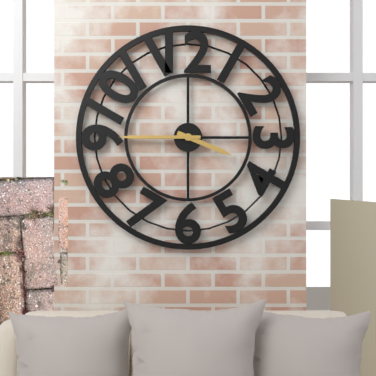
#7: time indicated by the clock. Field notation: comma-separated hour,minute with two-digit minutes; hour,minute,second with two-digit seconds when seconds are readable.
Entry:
3,45
